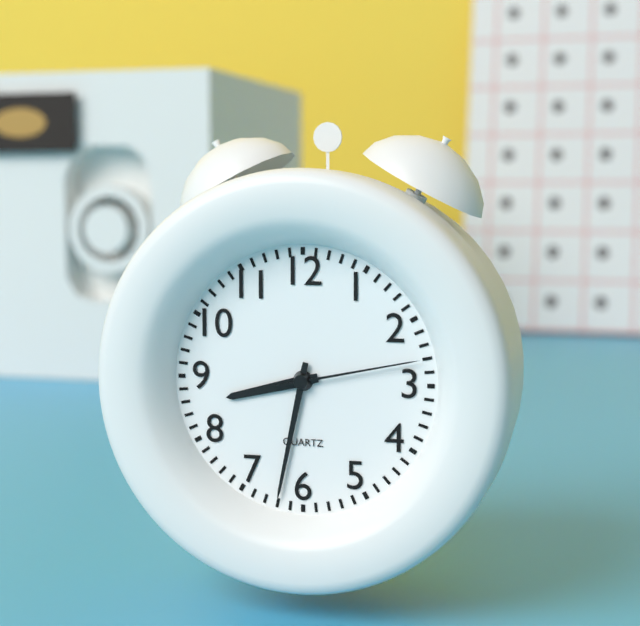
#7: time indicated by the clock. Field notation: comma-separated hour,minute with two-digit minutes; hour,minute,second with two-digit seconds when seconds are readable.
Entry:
8,32,13
